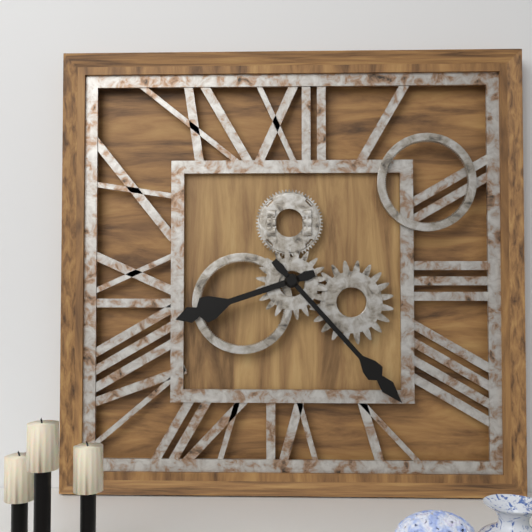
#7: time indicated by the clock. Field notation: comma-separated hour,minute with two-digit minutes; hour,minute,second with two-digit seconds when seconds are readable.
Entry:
8,23
